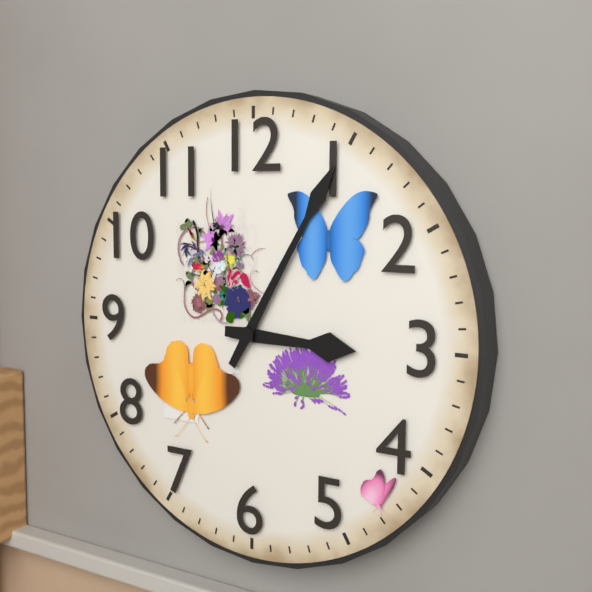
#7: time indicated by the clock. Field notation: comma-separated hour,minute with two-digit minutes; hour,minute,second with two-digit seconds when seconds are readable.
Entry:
3,05
